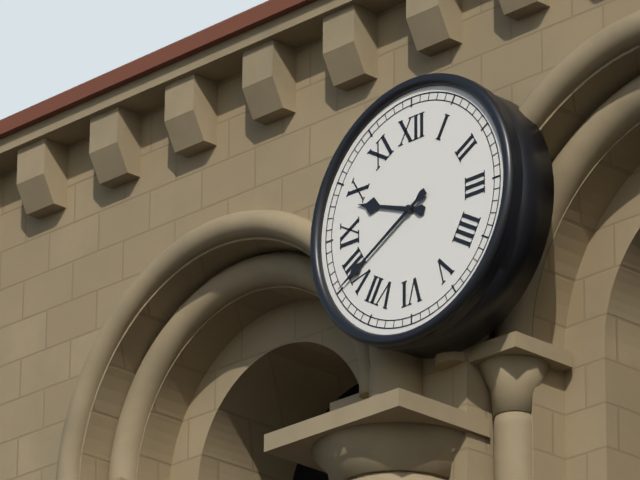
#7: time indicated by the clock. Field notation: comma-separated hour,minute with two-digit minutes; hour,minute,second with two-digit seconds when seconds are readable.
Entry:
9,40
